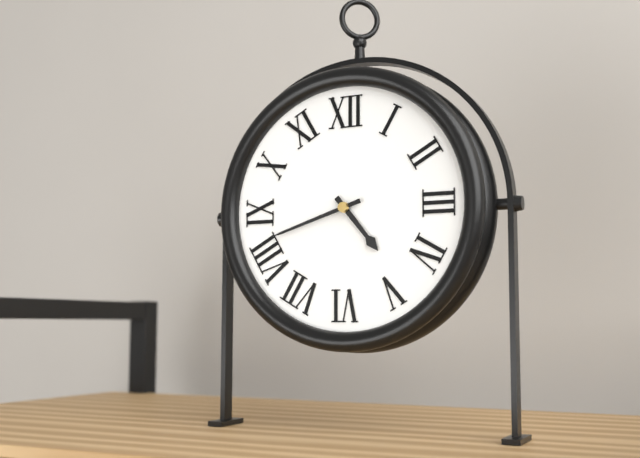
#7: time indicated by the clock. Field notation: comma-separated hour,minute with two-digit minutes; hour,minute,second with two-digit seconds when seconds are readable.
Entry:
4,42
